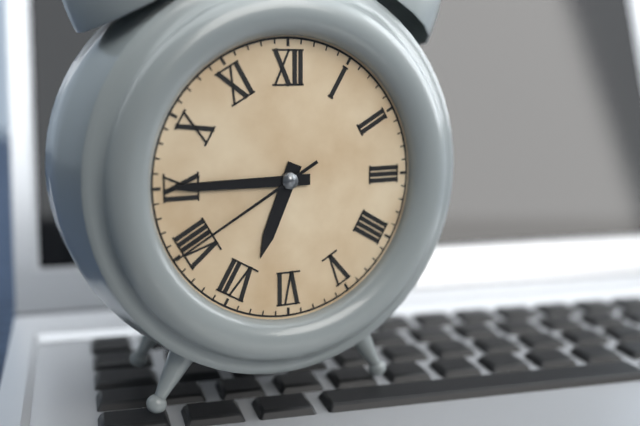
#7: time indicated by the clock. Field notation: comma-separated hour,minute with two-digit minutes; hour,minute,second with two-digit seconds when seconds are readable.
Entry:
6,45,40
